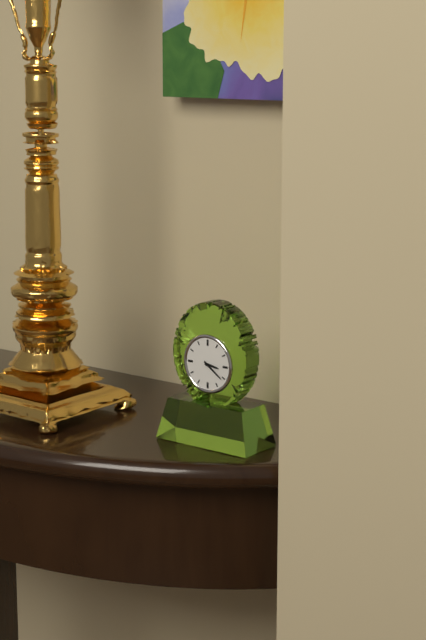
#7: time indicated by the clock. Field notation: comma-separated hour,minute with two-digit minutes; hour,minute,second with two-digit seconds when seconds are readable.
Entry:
3,21
